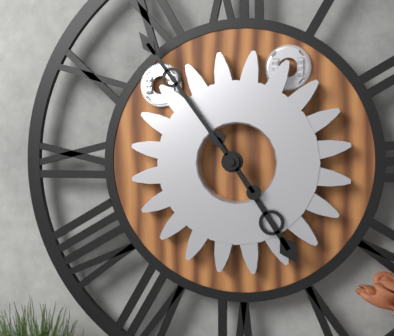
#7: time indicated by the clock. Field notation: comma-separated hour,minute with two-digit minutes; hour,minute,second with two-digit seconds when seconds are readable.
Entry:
4,54
